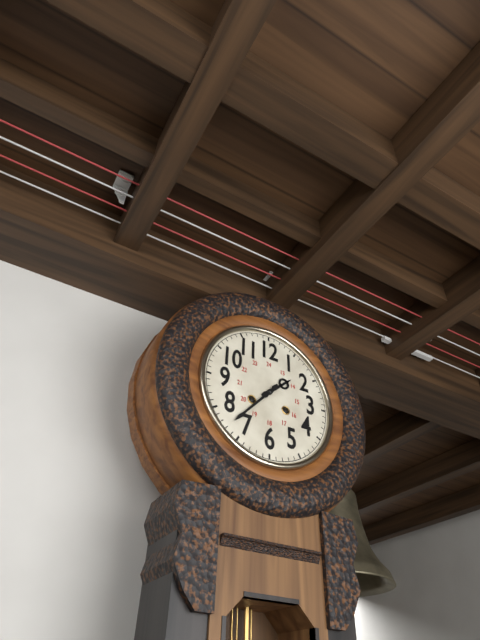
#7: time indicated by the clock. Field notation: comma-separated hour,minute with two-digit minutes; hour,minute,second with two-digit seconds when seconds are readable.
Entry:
1,37
